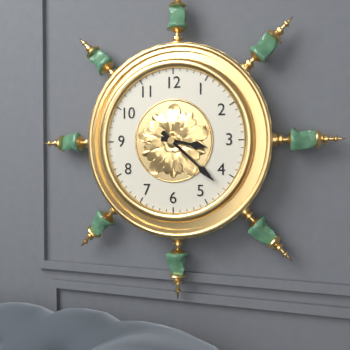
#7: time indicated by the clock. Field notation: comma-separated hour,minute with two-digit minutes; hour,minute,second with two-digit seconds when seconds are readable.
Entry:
3,22
